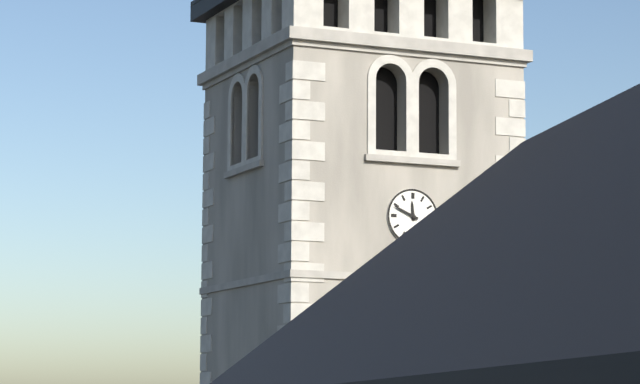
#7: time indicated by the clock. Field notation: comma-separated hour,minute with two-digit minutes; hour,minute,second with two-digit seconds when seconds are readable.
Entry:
11,49
